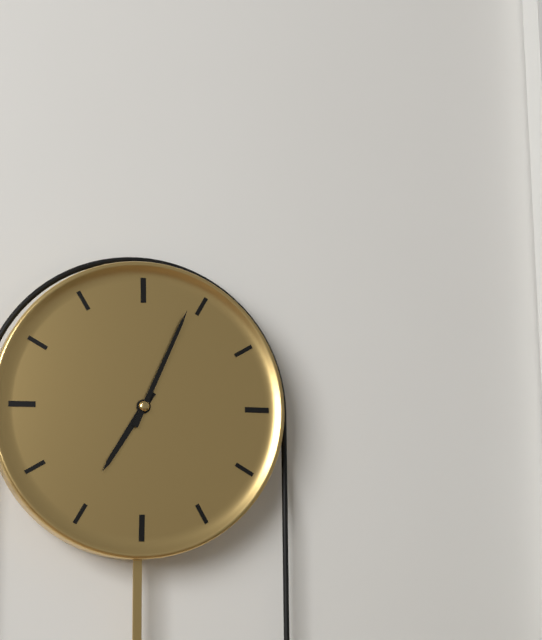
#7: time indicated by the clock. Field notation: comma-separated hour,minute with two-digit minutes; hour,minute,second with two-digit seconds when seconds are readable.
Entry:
7,04
